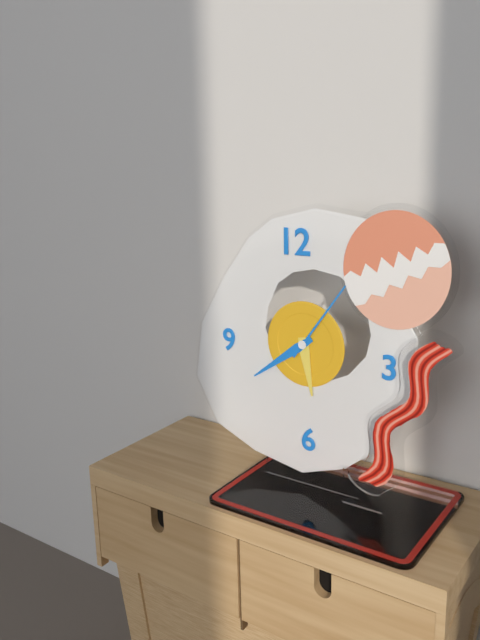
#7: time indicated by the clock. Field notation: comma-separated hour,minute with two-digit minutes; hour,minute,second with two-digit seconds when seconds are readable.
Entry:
5,39,06
